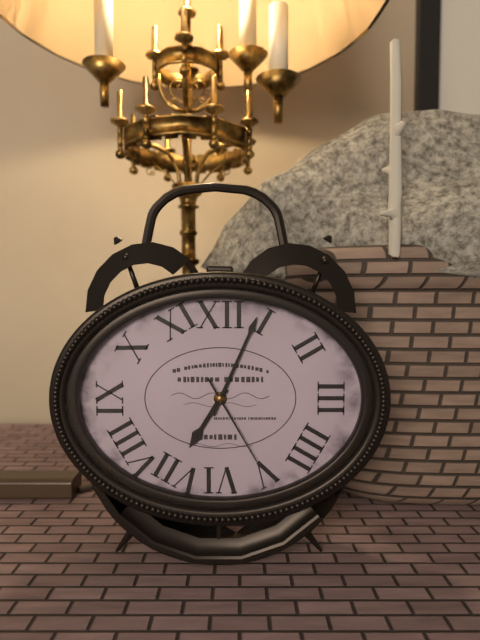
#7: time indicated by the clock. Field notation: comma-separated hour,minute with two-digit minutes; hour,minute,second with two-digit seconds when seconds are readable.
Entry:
7,04,25
